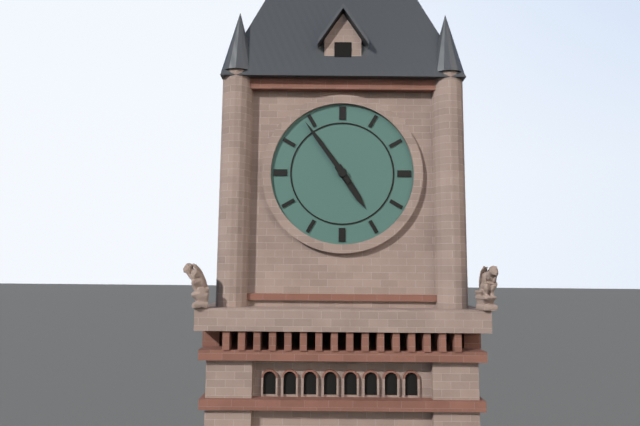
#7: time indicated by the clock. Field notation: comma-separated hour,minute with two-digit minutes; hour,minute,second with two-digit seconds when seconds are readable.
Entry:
4,54
